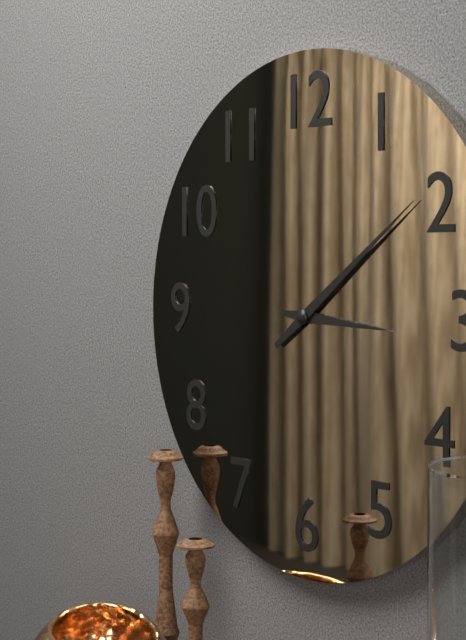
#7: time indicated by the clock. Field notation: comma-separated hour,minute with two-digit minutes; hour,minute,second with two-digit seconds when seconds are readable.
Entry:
3,09
